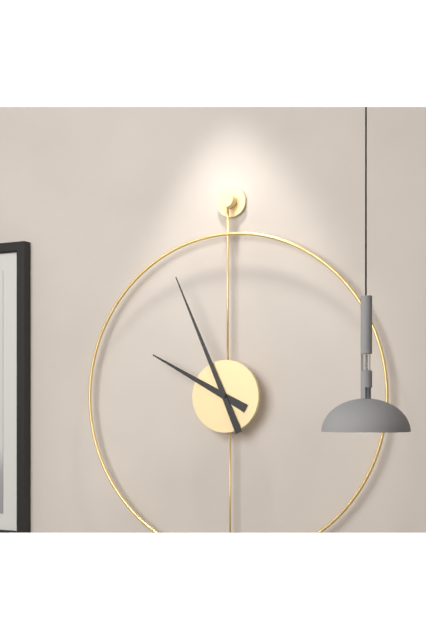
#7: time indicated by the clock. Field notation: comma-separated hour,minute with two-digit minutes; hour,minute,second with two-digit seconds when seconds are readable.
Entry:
9,56
